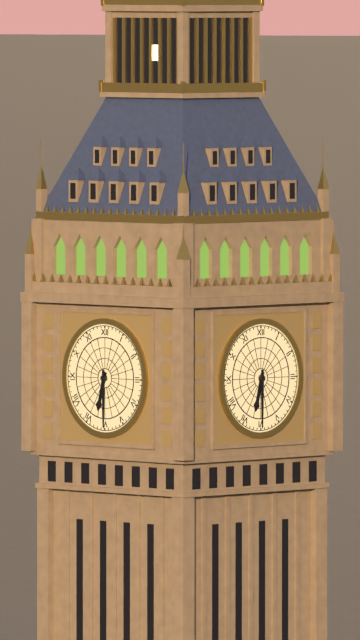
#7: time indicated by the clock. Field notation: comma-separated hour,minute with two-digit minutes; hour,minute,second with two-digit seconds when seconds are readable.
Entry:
6,30
